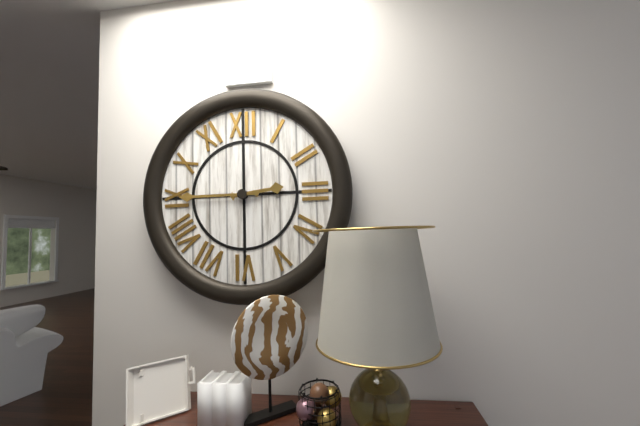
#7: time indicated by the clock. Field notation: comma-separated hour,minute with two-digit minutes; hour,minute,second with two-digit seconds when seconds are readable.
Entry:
2,45
